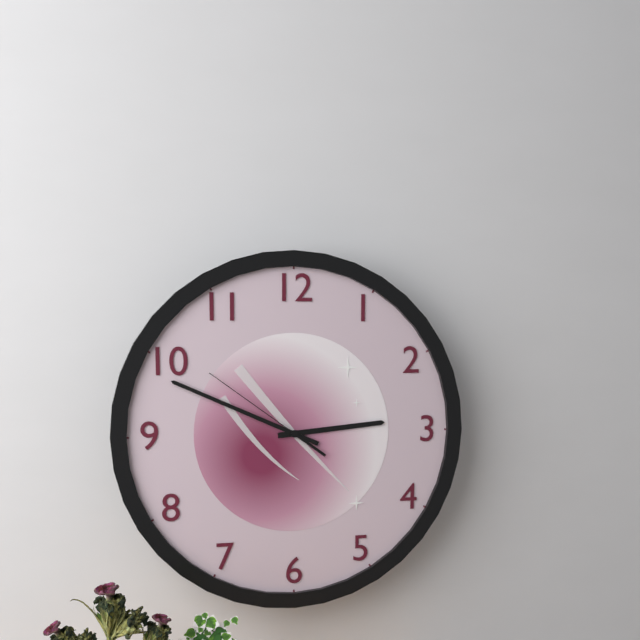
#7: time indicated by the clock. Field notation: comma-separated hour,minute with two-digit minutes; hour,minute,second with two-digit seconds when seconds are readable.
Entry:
2,49,51
